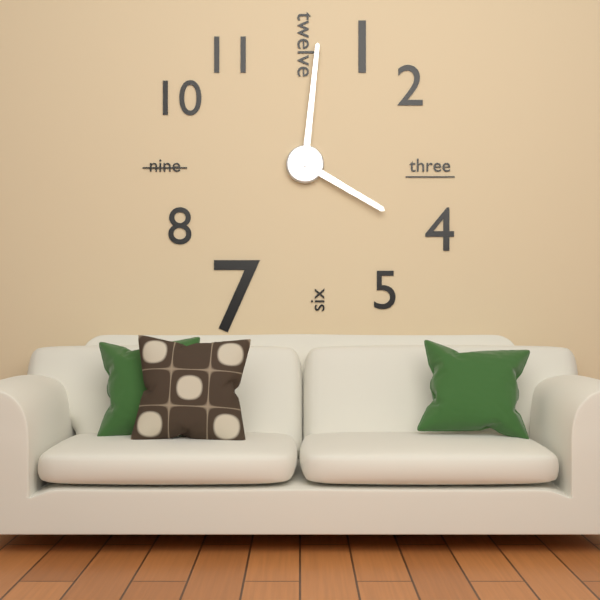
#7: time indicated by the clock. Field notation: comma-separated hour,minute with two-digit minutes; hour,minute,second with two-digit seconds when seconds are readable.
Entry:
4,01
